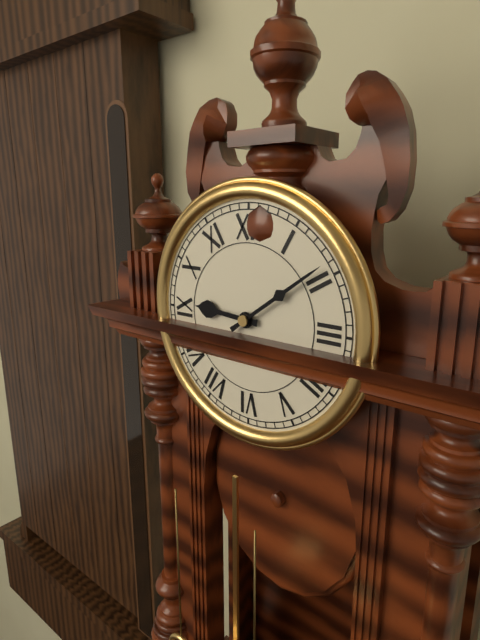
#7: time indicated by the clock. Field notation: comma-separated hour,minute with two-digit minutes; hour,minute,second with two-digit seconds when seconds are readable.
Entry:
9,09
